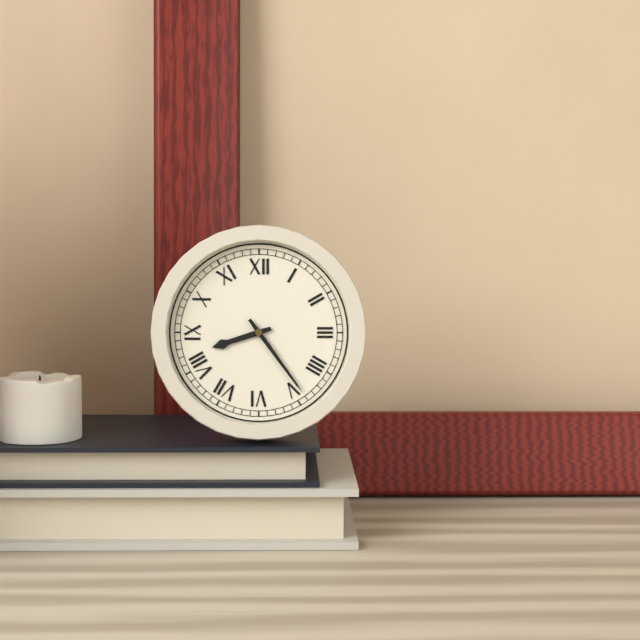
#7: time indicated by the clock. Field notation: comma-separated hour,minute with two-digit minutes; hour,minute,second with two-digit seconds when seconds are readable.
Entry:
8,24
